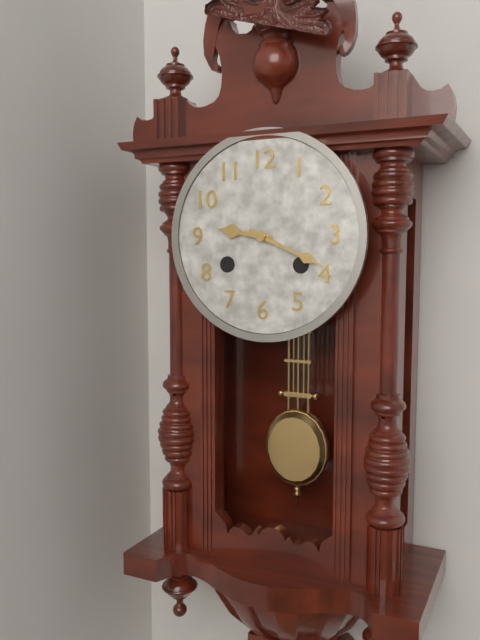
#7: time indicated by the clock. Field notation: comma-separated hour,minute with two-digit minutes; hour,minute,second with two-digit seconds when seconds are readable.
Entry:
9,19
